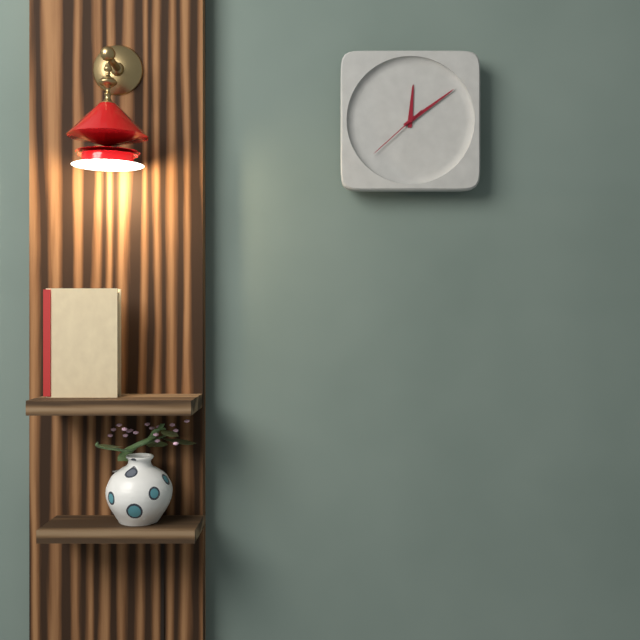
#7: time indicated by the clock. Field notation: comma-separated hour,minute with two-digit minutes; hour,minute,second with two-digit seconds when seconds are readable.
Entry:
12,09,38
